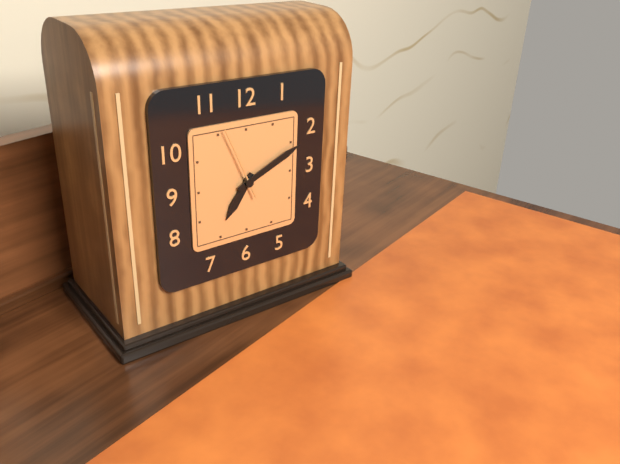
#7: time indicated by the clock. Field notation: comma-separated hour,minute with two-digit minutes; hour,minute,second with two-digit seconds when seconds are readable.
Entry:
7,11,56
